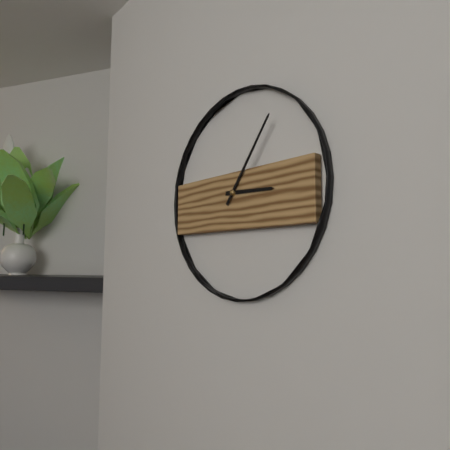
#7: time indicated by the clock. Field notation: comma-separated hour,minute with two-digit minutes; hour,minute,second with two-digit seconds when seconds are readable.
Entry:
3,06
